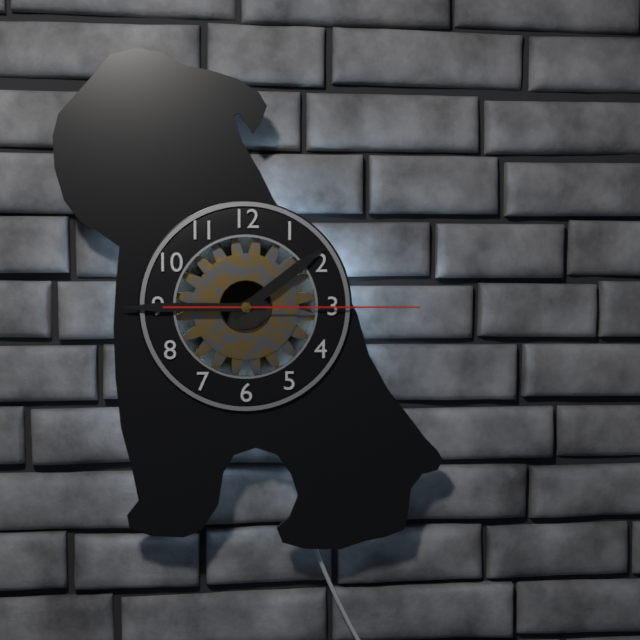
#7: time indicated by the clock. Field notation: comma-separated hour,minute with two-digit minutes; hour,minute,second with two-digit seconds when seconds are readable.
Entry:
1,45,15
